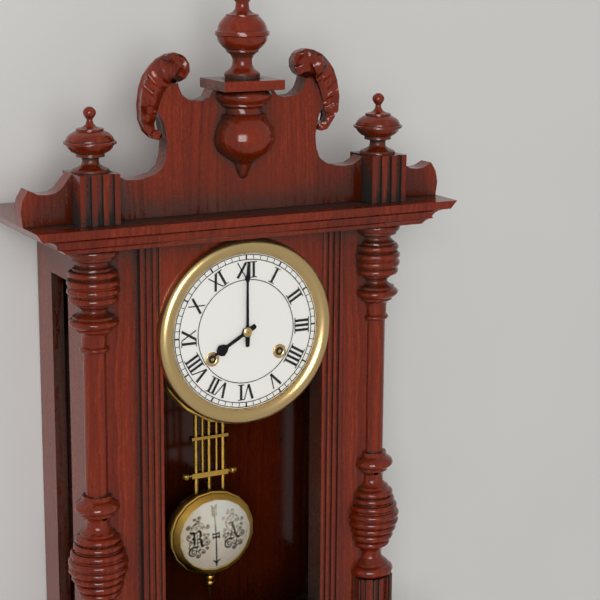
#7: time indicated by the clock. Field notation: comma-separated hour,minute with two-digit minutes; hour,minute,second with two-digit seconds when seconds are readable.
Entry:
8,00
